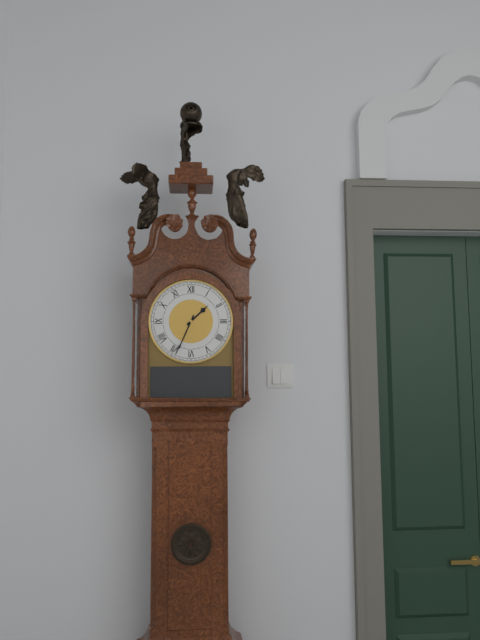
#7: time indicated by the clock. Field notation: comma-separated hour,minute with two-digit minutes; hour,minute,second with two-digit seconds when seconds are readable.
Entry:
1,34
